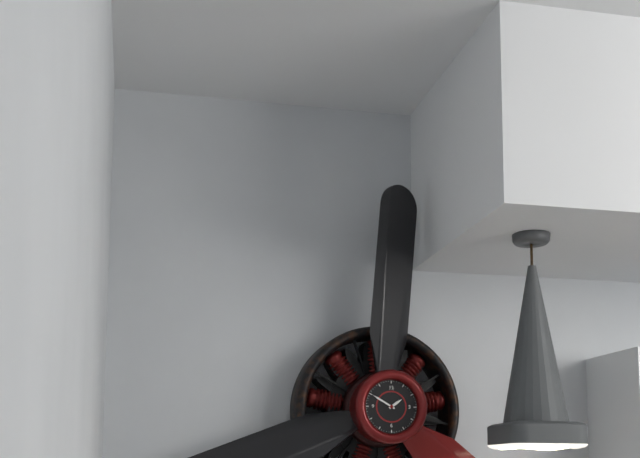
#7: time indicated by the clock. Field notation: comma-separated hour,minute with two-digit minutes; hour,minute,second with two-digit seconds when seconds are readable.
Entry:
1,50
